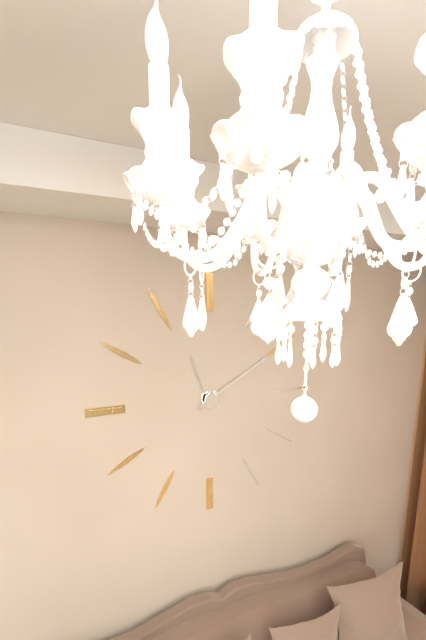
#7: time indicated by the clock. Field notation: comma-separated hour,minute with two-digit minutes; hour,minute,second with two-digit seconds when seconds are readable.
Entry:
11,10
